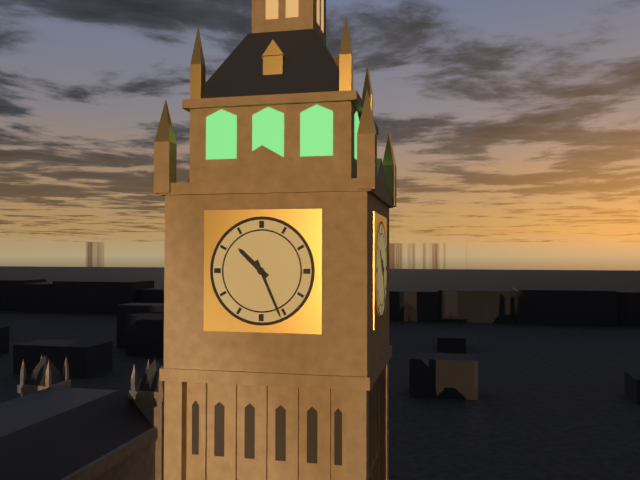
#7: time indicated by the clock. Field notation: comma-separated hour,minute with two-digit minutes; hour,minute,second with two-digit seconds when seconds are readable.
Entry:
10,26
